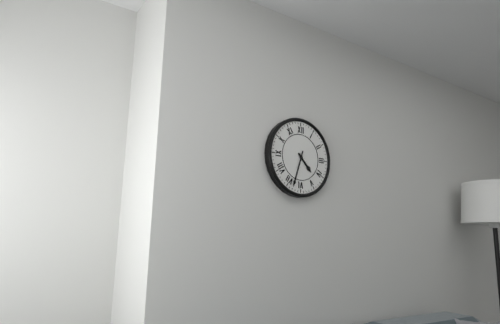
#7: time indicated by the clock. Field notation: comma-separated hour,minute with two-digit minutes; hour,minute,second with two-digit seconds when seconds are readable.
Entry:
4,33
